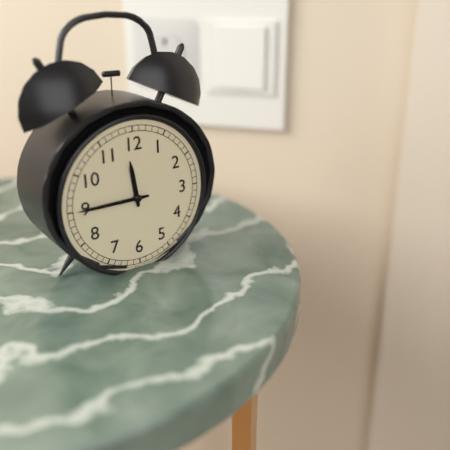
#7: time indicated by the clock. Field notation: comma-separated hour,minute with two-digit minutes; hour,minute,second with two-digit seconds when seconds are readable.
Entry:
11,45
